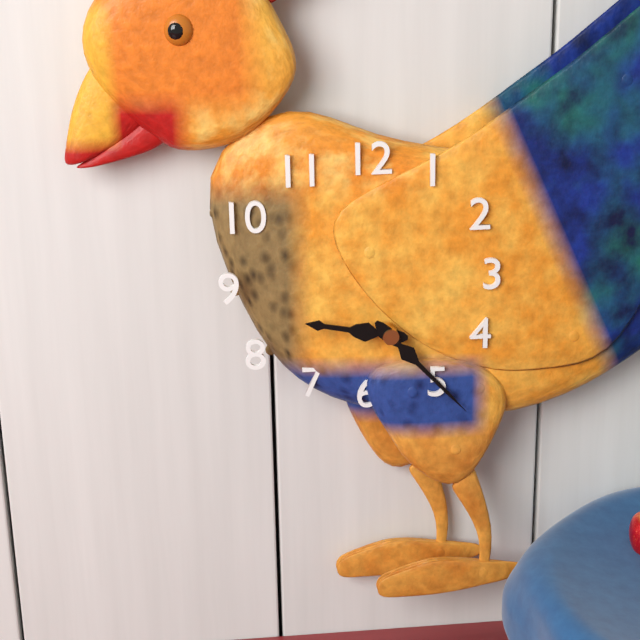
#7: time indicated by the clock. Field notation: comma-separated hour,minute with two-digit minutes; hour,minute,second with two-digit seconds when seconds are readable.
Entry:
9,23
